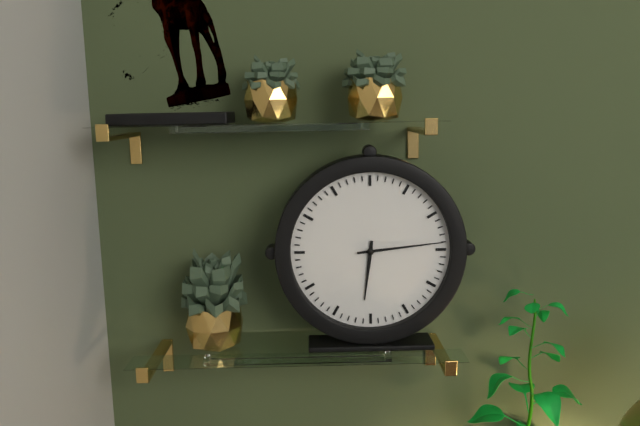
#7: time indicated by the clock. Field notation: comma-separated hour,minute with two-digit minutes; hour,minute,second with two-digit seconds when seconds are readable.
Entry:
6,14
